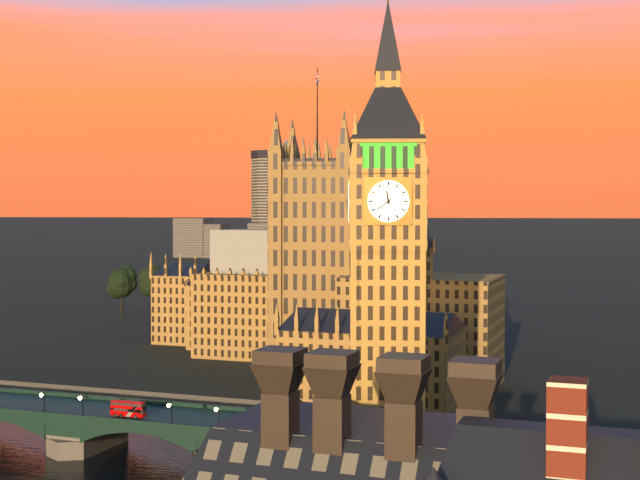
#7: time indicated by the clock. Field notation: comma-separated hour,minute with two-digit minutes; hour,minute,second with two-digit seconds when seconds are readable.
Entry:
11,39
